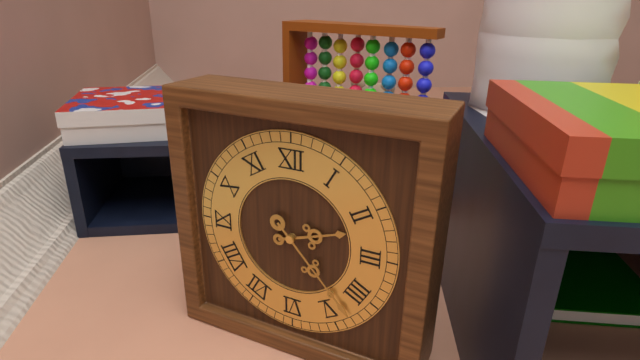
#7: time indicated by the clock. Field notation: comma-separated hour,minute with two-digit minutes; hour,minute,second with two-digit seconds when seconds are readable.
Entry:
2,23
